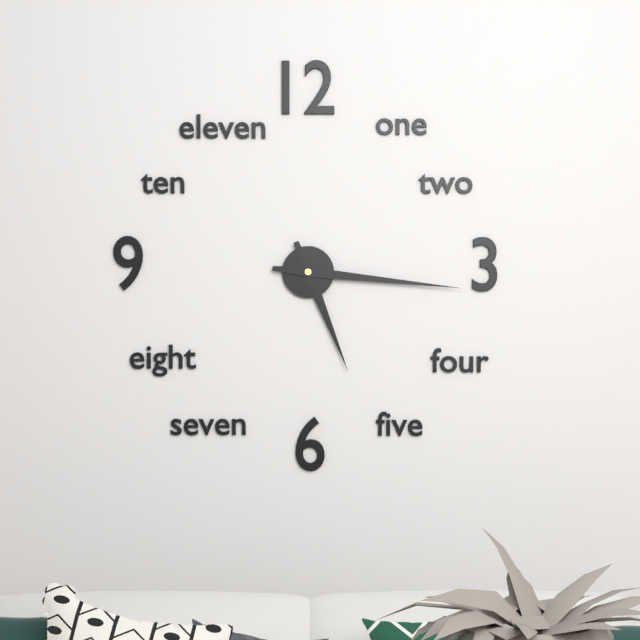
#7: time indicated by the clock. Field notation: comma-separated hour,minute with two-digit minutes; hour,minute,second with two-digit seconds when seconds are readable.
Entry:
5,16
